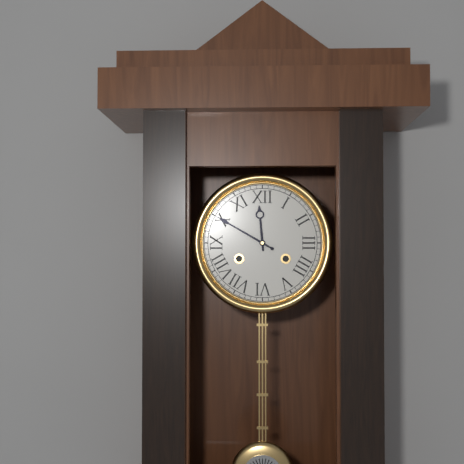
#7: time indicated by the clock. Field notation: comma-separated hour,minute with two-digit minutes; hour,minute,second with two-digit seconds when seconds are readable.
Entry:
11,50
